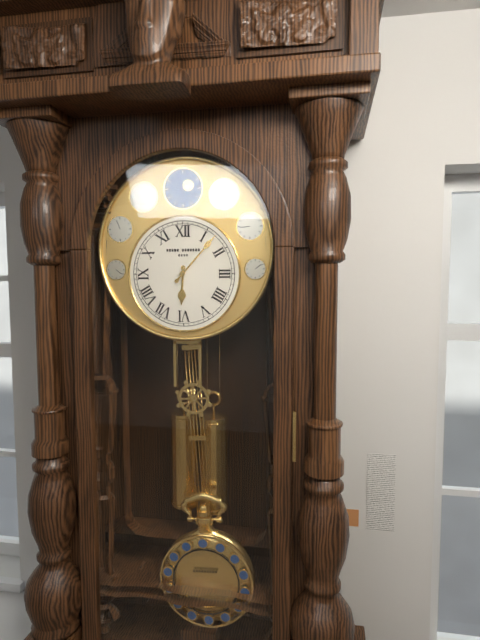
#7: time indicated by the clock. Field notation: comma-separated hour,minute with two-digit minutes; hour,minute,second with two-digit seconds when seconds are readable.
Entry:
6,07
